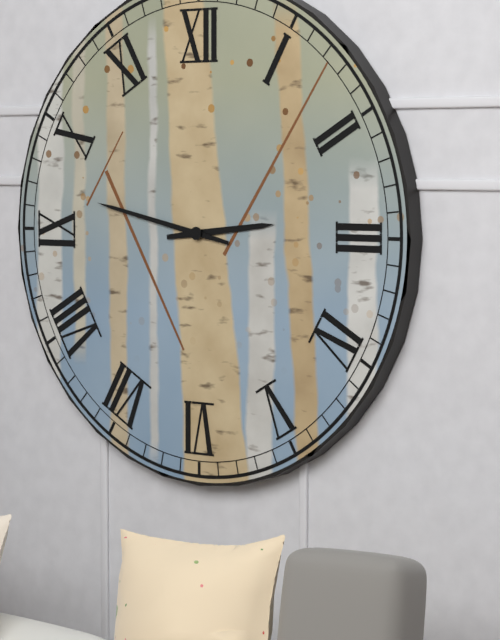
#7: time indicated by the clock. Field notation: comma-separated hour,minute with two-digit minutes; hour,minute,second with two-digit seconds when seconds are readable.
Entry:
2,47
